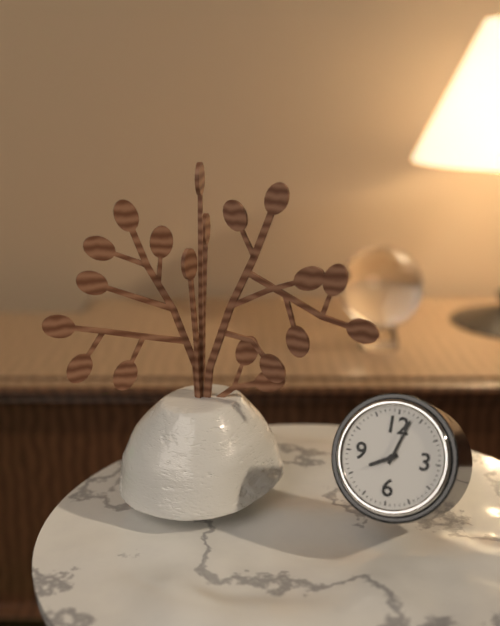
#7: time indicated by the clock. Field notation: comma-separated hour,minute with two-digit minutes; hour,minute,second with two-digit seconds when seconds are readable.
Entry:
8,03
